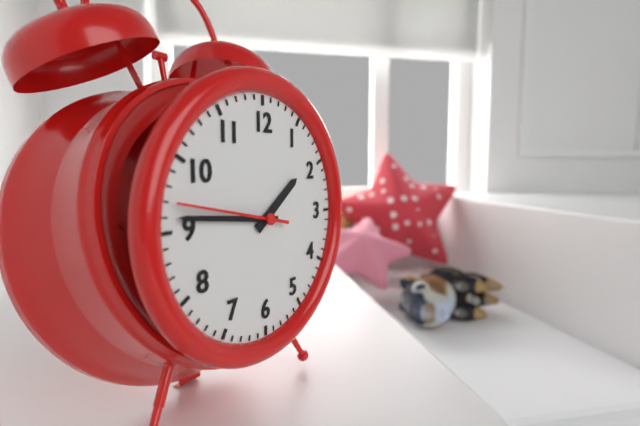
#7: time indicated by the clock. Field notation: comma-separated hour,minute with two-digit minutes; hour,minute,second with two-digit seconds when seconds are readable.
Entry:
1,46,47
